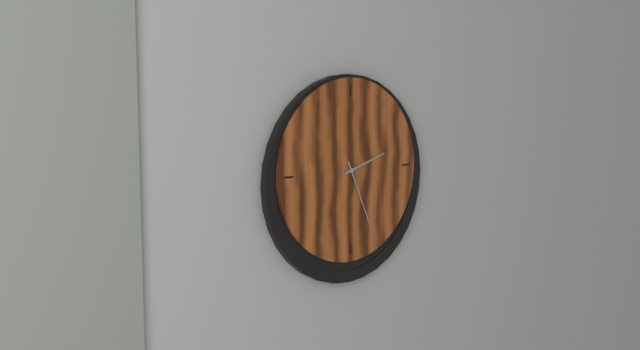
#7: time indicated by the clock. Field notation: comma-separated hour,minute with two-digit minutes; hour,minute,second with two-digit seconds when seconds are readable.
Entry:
2,26
